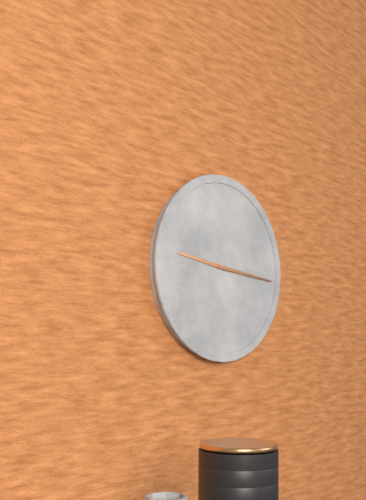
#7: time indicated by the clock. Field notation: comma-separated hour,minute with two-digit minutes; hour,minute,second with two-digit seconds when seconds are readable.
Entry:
9,16
